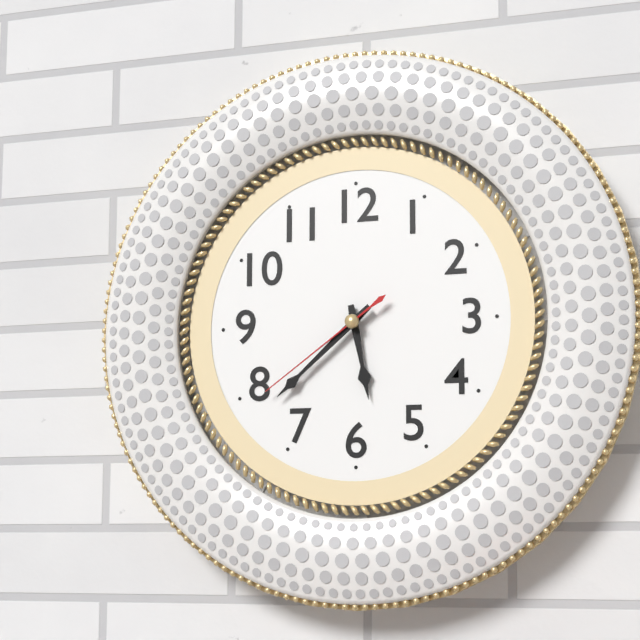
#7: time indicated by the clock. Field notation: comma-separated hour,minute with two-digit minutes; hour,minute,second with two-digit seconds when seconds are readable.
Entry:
5,38,39
